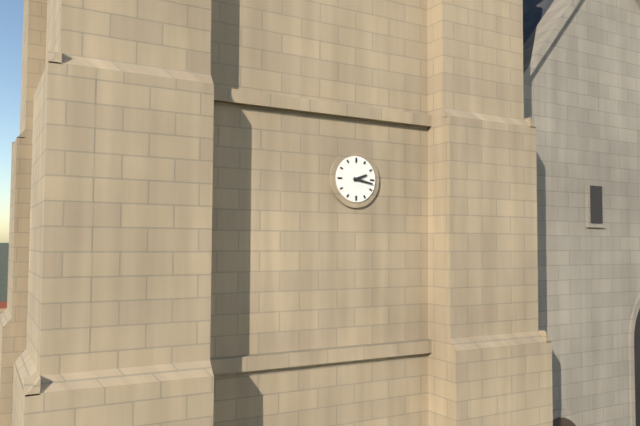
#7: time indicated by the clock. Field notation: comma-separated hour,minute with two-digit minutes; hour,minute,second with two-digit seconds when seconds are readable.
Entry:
2,17
